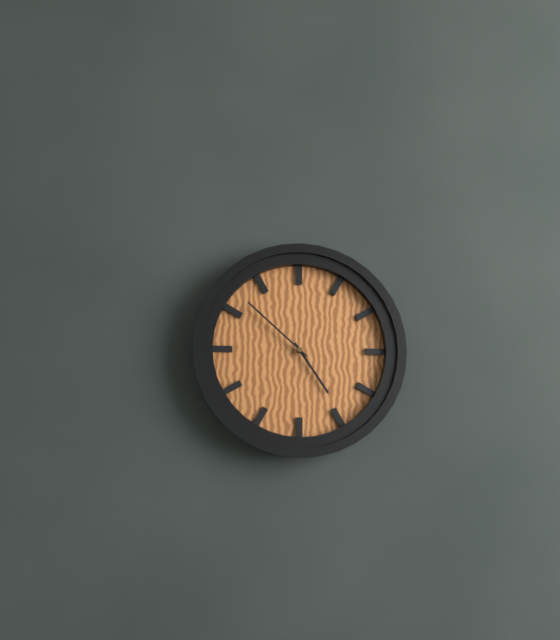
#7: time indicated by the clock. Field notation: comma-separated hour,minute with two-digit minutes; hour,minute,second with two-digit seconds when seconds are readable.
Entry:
4,52
